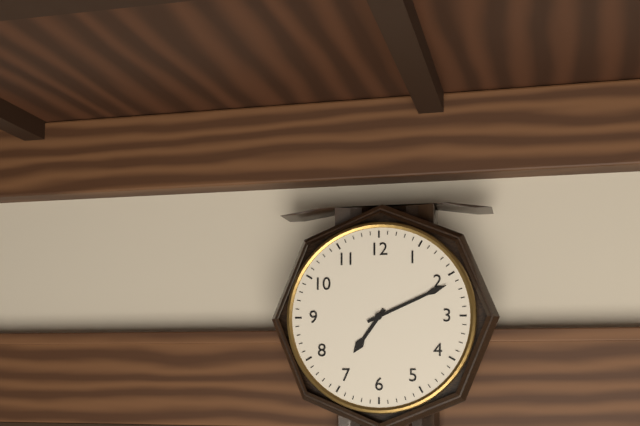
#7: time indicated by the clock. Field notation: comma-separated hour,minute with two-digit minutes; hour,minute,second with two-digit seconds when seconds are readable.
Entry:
7,11
